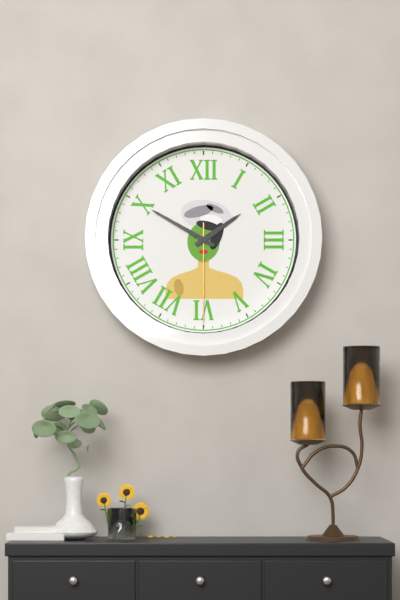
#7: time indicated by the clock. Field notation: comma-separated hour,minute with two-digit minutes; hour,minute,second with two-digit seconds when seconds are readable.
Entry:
1,50,30
